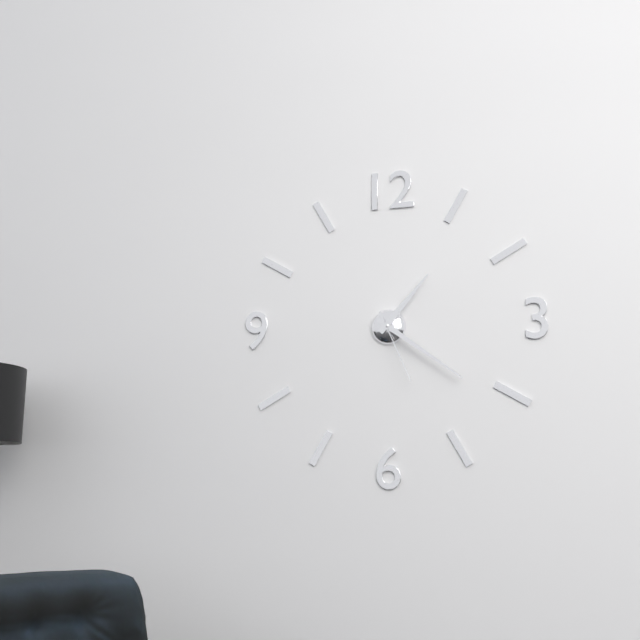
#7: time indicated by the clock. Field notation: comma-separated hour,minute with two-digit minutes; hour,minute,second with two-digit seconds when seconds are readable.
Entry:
1,21,26
